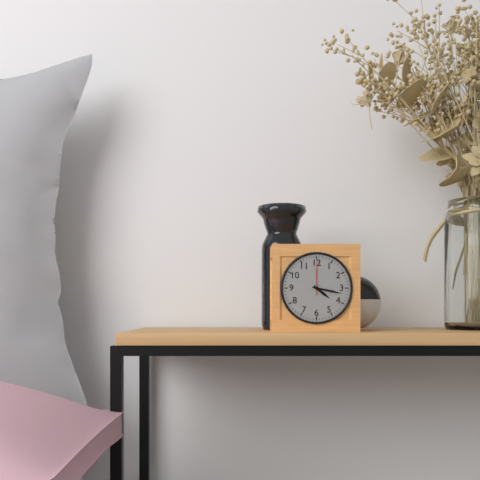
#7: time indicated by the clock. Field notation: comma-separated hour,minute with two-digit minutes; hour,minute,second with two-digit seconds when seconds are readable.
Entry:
4,17
